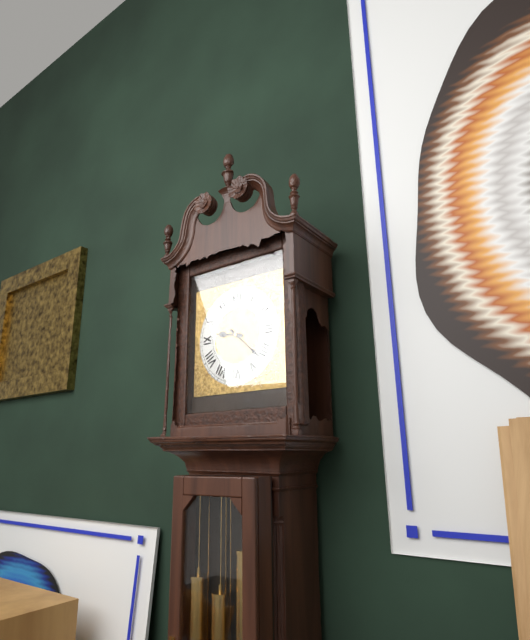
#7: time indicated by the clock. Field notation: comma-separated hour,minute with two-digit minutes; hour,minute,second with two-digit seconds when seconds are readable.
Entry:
9,22
